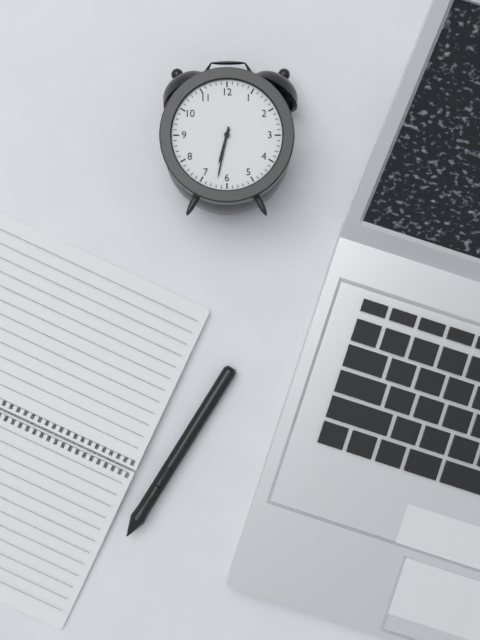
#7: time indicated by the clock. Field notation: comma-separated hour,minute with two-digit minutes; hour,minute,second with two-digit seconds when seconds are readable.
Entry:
6,32
